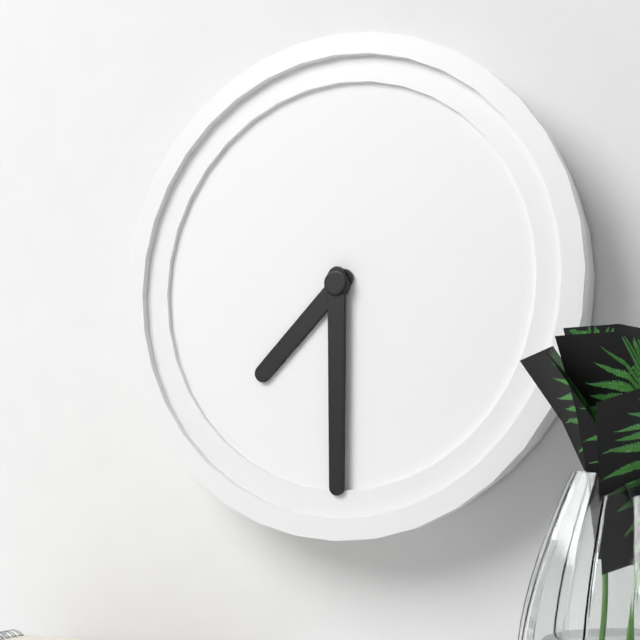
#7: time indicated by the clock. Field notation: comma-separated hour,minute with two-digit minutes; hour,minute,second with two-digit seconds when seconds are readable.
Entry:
7,30
